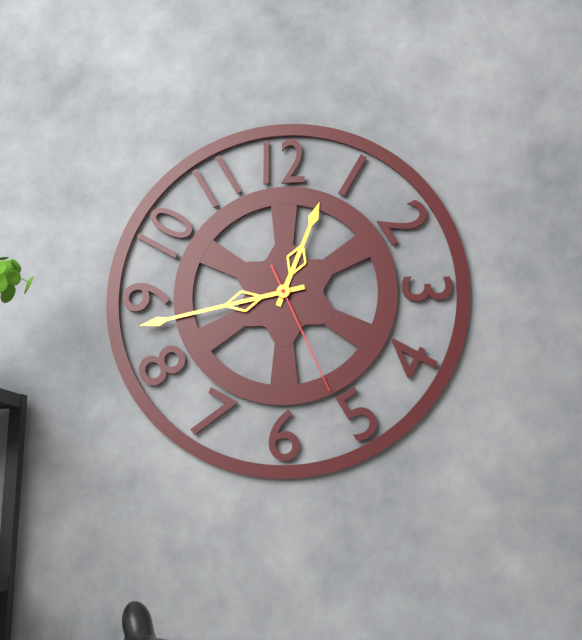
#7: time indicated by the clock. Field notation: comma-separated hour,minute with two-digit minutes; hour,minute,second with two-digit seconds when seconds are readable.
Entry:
12,43,26
